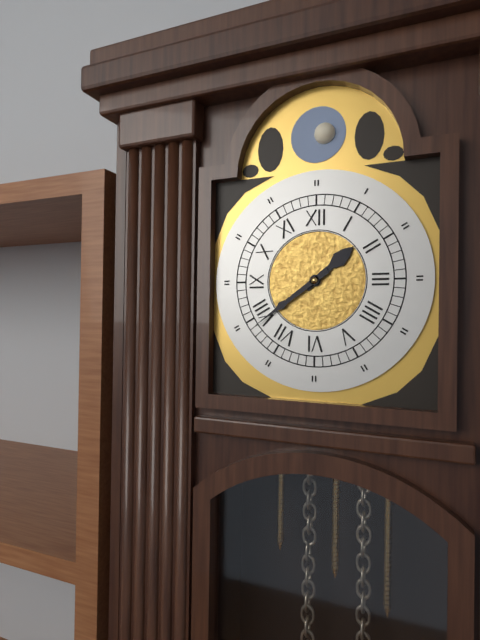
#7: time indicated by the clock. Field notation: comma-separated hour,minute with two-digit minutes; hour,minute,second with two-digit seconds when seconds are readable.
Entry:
1,39
